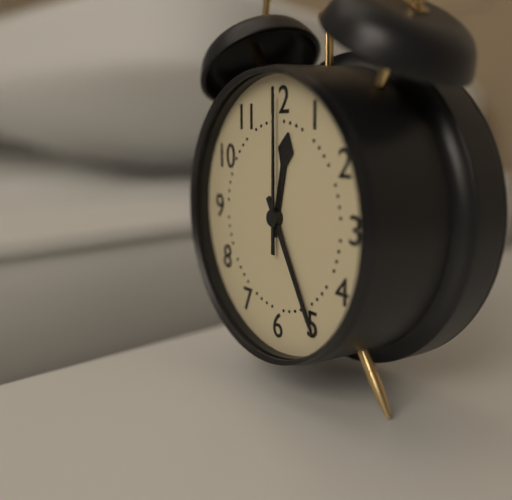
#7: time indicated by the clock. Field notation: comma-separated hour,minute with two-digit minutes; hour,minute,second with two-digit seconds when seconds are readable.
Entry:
12,25,00
